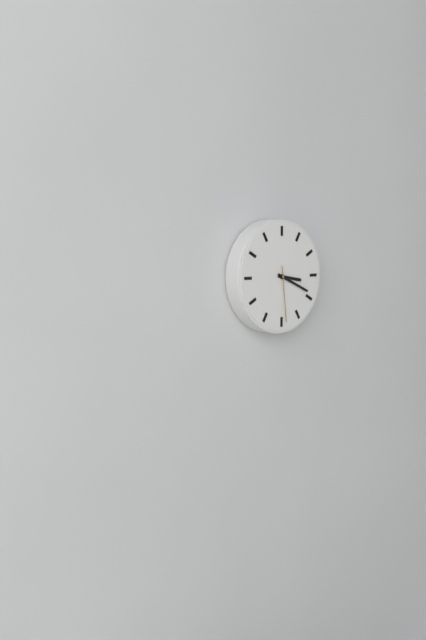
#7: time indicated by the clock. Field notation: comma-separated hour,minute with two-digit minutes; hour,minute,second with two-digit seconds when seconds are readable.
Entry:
3,19,29
